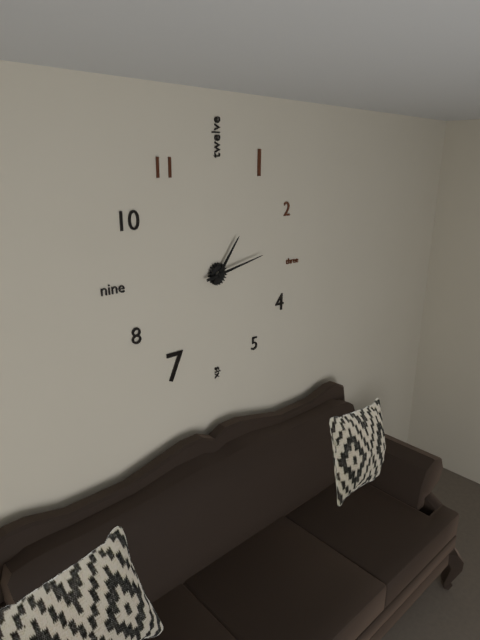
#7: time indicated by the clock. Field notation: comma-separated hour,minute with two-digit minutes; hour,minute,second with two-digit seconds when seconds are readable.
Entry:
1,13
